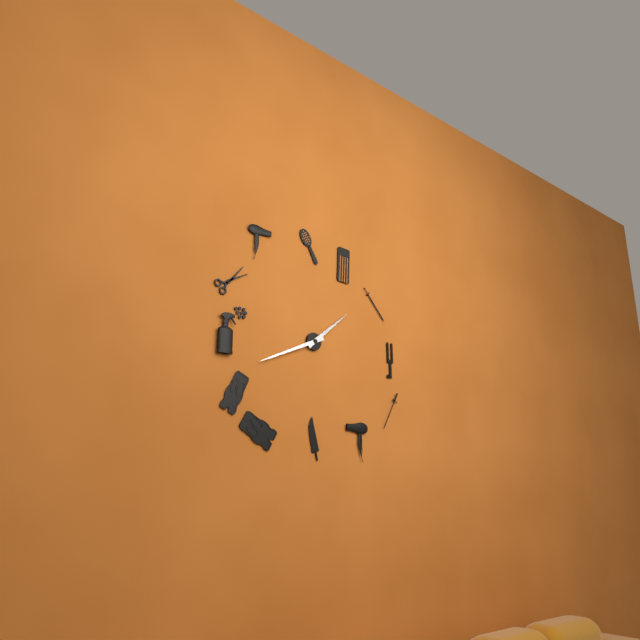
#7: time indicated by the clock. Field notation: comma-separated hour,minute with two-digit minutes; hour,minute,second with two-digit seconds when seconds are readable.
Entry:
1,41
